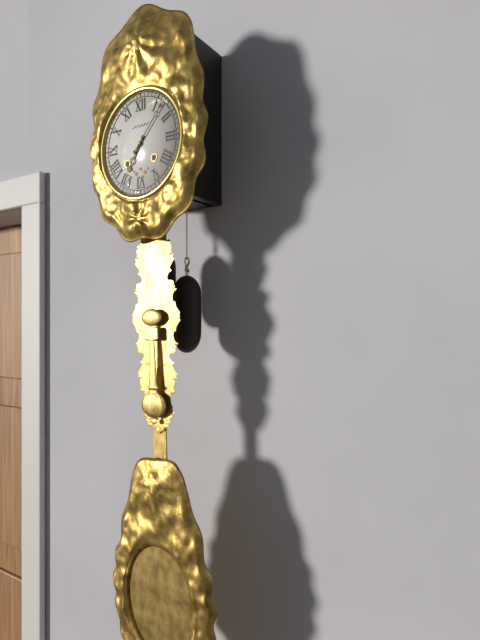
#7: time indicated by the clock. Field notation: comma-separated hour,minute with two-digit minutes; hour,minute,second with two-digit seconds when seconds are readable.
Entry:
7,07
